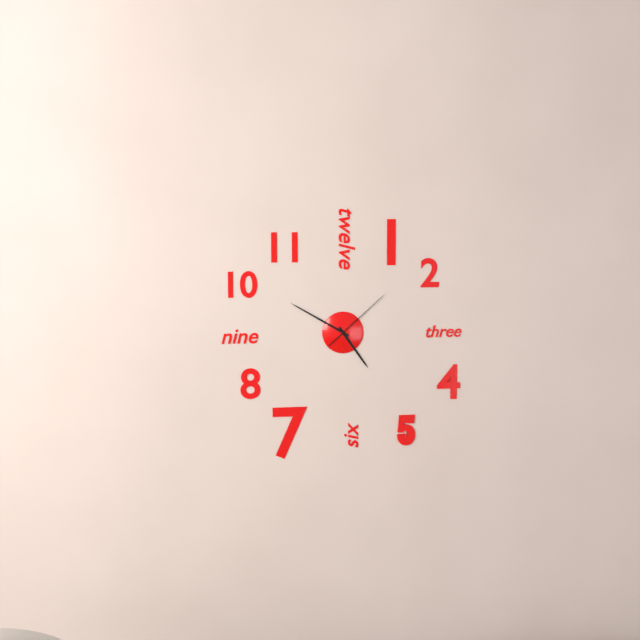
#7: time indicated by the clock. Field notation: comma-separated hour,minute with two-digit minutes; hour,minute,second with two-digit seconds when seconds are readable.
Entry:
4,50,08
